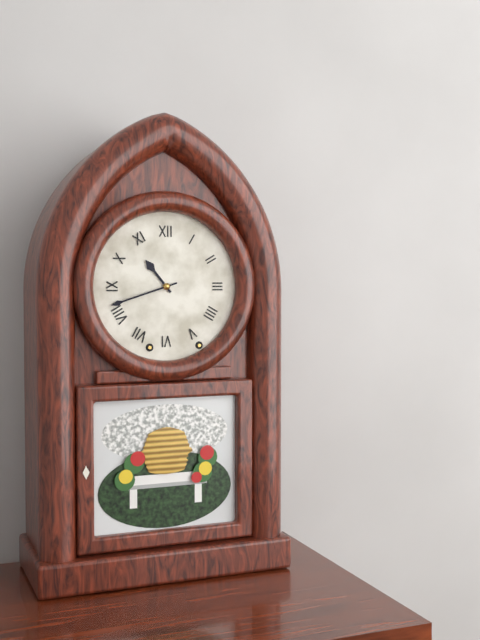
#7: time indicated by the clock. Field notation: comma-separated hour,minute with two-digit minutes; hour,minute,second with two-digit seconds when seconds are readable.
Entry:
10,42
